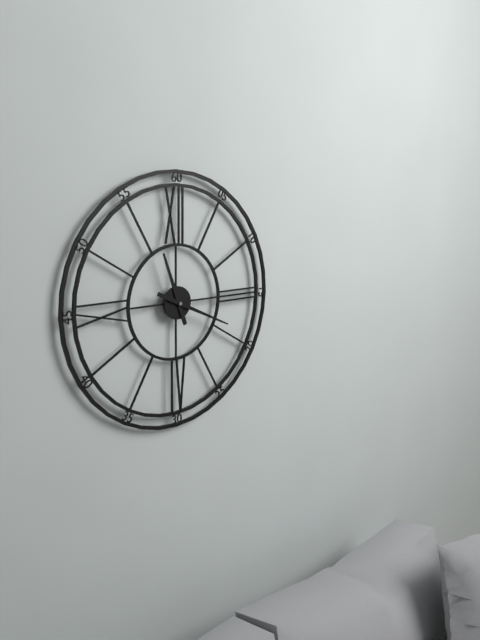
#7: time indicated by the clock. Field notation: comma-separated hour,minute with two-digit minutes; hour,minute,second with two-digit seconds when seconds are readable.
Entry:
11,19
